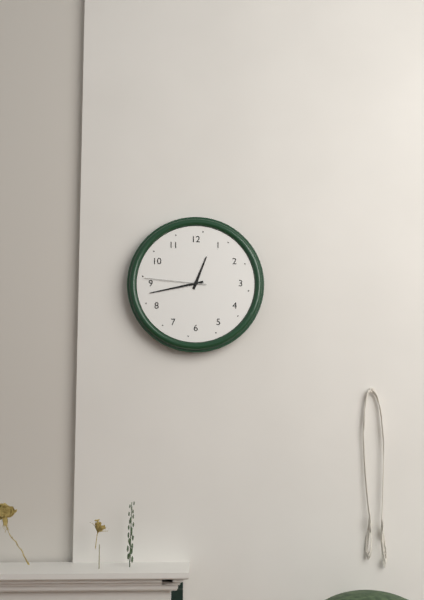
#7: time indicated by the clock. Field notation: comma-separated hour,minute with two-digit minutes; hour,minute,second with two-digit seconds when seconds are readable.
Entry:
12,43,46
